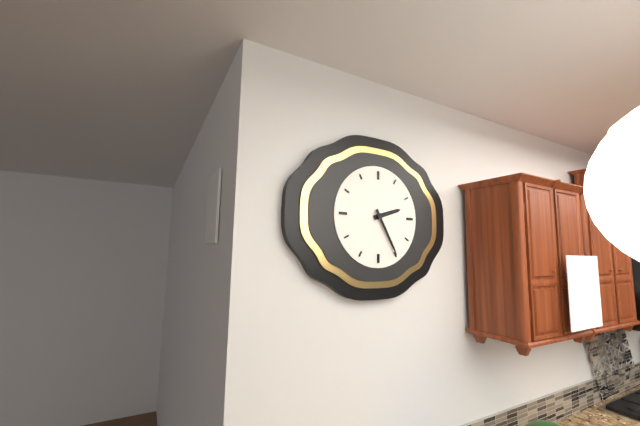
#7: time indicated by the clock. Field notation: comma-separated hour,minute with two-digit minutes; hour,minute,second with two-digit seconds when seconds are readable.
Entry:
2,25
